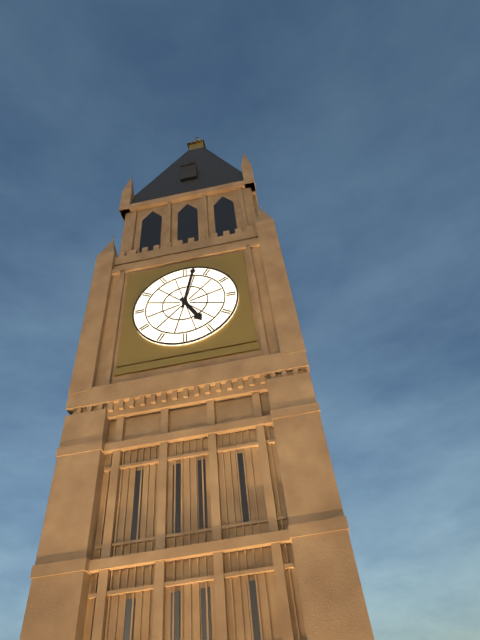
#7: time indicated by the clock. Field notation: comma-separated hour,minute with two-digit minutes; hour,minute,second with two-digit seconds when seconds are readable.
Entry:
5,02
